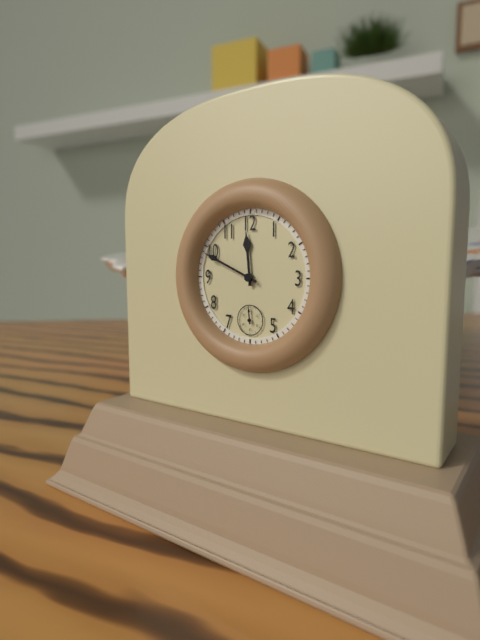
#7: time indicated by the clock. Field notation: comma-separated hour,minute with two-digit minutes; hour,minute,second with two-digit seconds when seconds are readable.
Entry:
11,49
